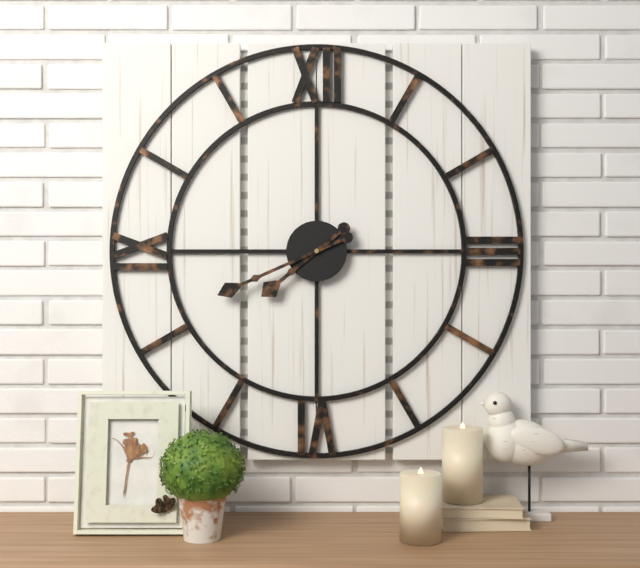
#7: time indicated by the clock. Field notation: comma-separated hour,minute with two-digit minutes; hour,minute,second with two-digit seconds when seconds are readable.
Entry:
7,41
